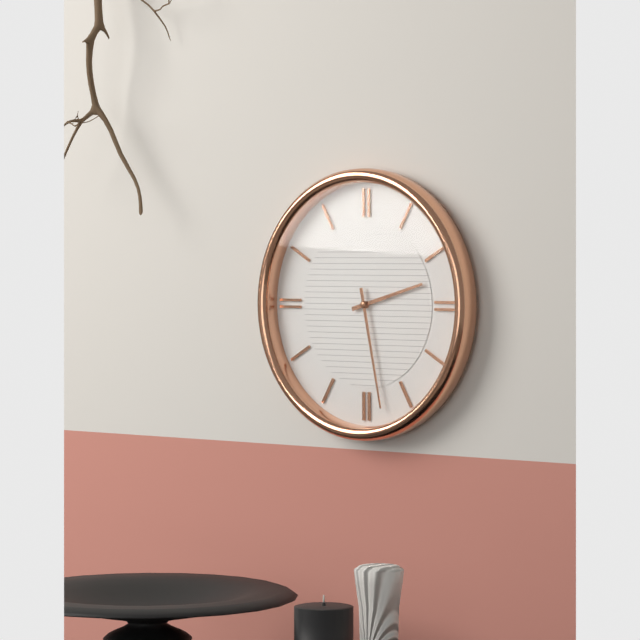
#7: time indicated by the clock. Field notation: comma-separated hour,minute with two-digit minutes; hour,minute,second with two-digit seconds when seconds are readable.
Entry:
2,28
